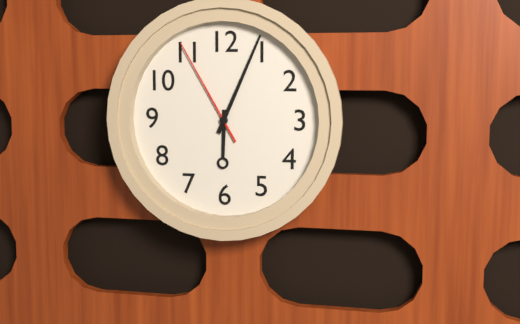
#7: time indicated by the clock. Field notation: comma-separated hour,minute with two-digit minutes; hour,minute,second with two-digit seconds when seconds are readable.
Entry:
6,04,55
